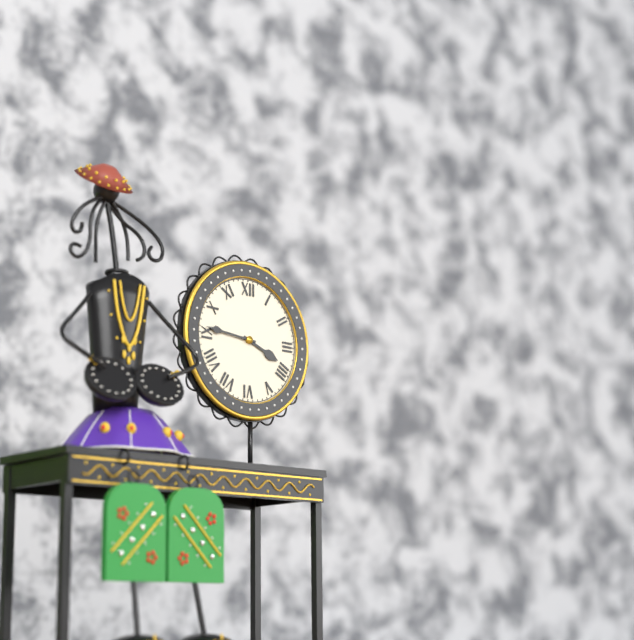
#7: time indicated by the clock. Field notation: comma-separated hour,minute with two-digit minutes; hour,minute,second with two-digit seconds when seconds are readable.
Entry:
3,46
